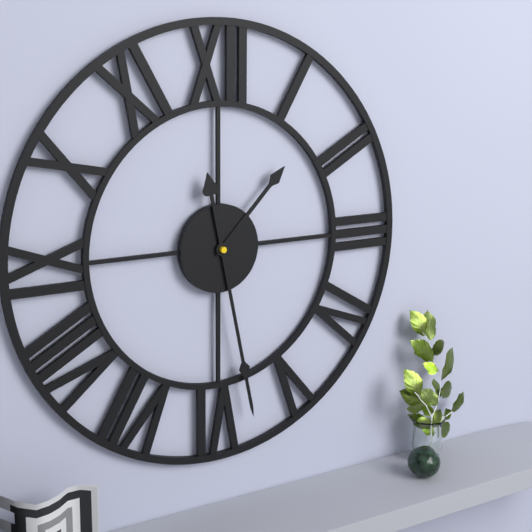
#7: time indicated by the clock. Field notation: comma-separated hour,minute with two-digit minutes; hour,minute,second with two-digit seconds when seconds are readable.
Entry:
1,28
